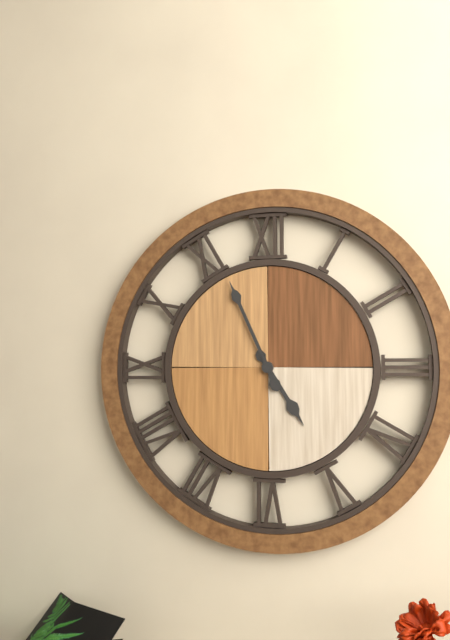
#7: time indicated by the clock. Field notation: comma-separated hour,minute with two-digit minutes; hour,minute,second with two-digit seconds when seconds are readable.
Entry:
4,56
